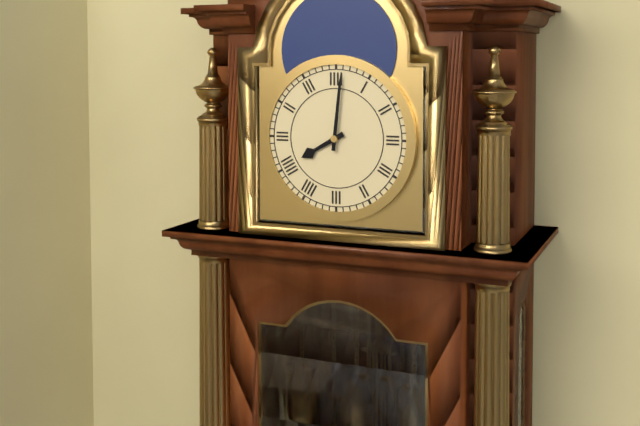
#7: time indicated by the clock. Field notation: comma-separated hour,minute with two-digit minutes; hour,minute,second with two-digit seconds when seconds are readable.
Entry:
8,01
